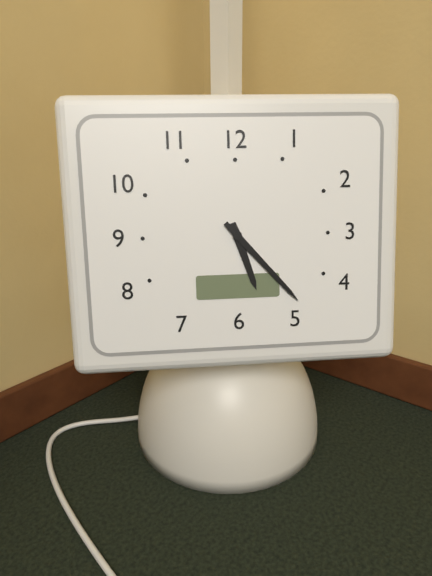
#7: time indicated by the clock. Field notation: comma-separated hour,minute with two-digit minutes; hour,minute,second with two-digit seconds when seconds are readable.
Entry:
5,23
